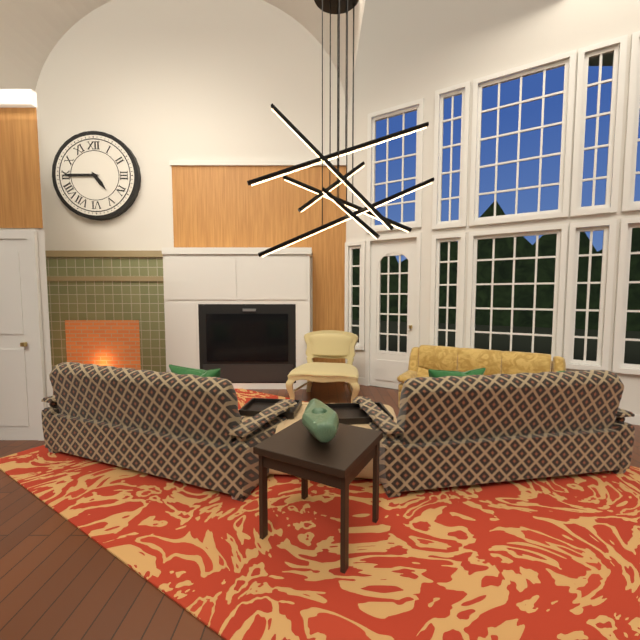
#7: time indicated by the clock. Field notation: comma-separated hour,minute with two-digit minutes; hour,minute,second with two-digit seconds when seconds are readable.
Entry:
4,45
